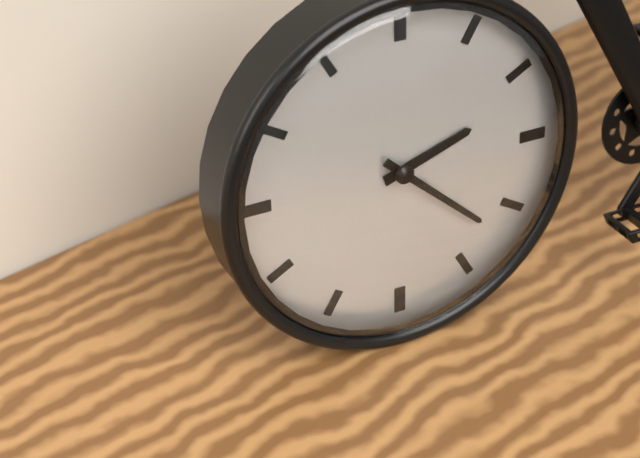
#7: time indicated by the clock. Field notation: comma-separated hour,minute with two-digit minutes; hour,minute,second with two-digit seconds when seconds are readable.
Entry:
2,22
